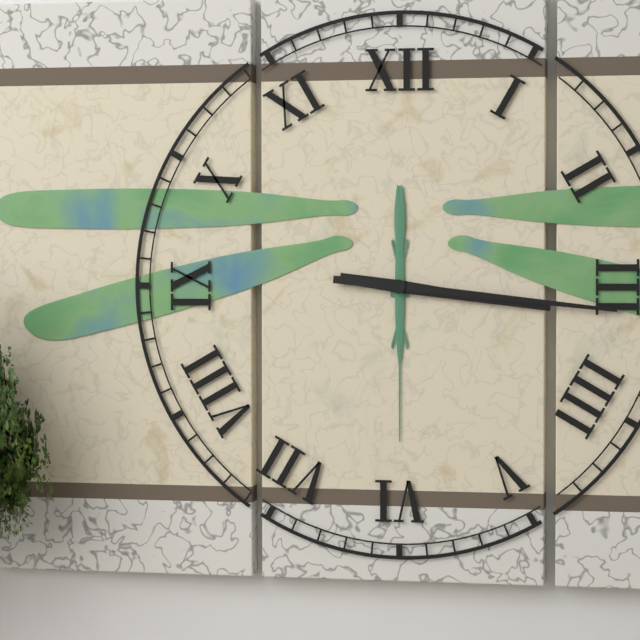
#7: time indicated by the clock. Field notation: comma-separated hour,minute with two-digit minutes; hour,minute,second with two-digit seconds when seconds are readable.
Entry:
3,16
